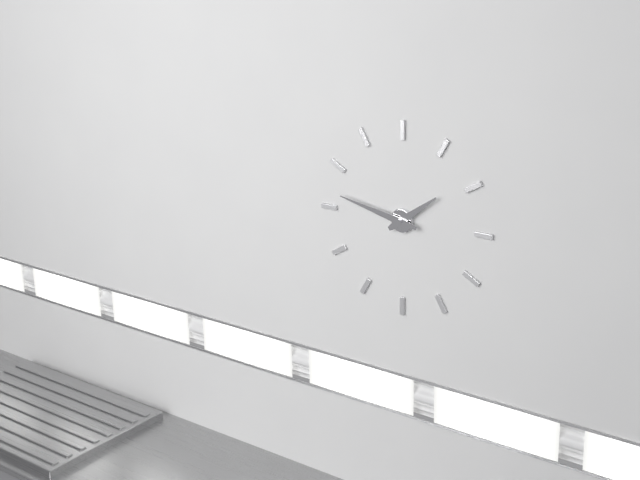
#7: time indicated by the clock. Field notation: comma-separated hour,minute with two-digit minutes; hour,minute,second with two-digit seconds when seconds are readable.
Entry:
1,47
